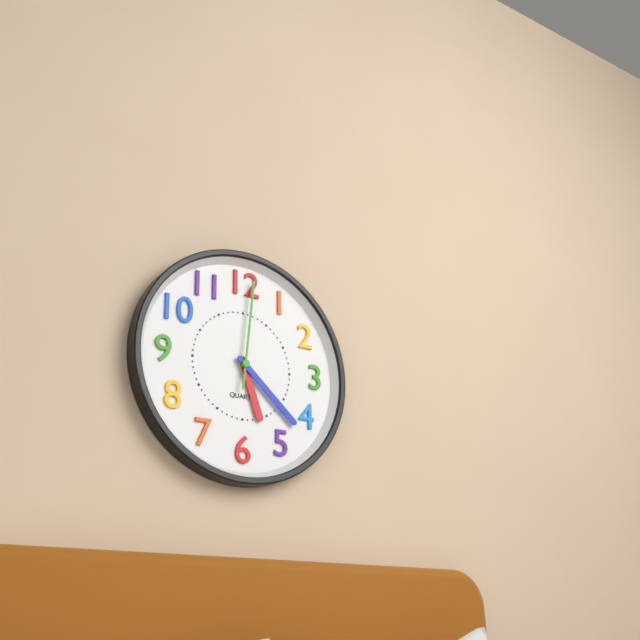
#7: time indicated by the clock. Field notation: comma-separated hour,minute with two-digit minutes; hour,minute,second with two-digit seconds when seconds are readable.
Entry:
5,22,01
